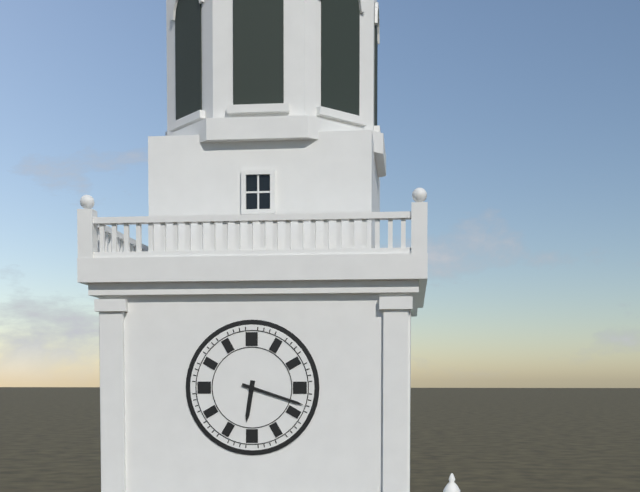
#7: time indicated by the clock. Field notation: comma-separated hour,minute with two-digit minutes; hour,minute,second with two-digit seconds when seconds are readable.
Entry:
6,18
